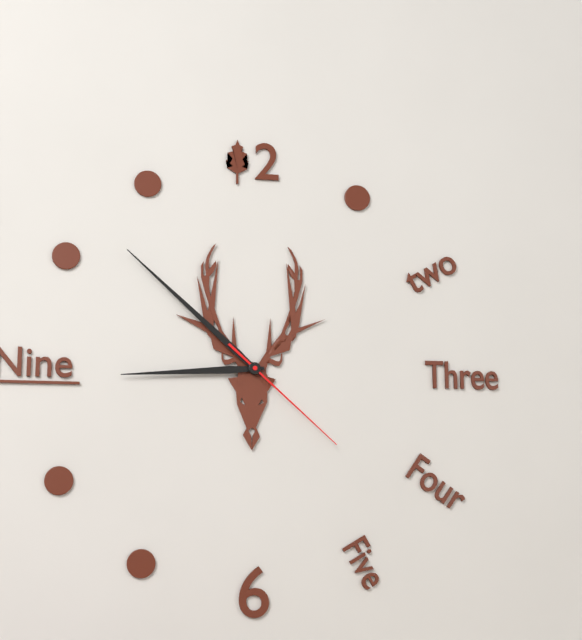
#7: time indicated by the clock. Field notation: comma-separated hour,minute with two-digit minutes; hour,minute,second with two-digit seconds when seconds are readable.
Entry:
8,52,22
